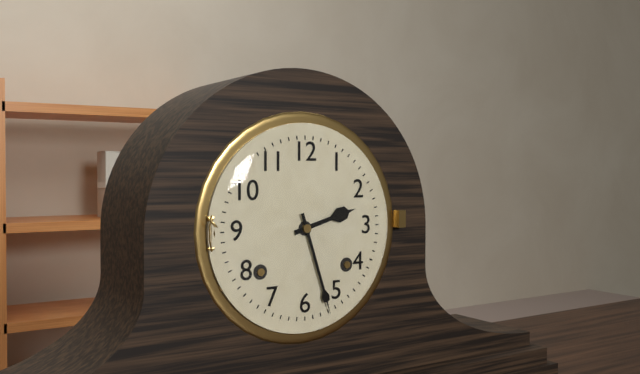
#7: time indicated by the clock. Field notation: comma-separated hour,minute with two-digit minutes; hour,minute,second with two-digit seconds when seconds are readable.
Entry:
2,27
